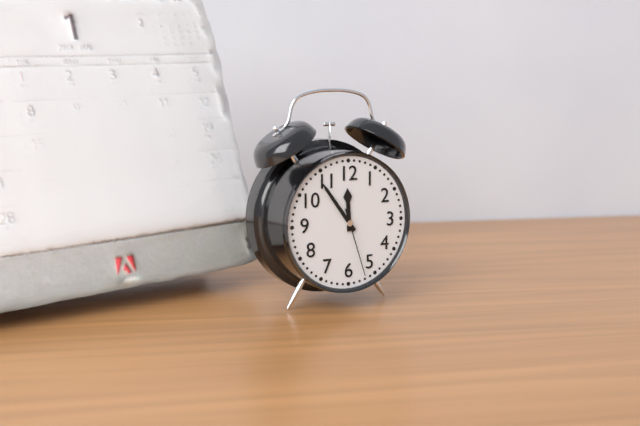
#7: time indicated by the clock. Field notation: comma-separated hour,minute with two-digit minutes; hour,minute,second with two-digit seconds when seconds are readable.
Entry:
11,54,27
